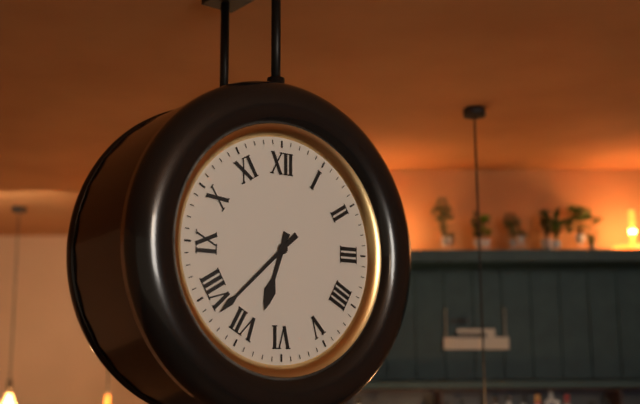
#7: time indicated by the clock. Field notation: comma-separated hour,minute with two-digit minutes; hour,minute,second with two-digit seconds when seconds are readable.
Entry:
6,38
